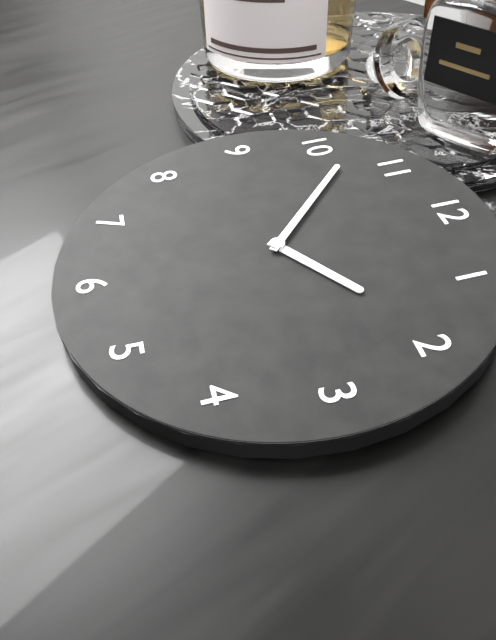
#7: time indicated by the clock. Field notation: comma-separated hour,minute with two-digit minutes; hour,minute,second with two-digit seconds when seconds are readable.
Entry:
1,52
